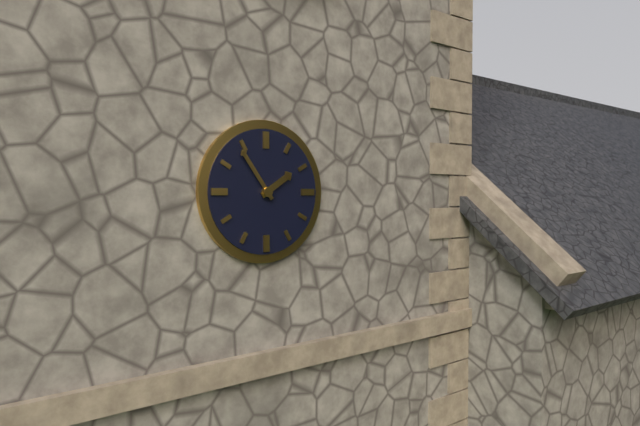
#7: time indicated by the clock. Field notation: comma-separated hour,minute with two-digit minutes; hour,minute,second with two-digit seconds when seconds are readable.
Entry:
1,54
